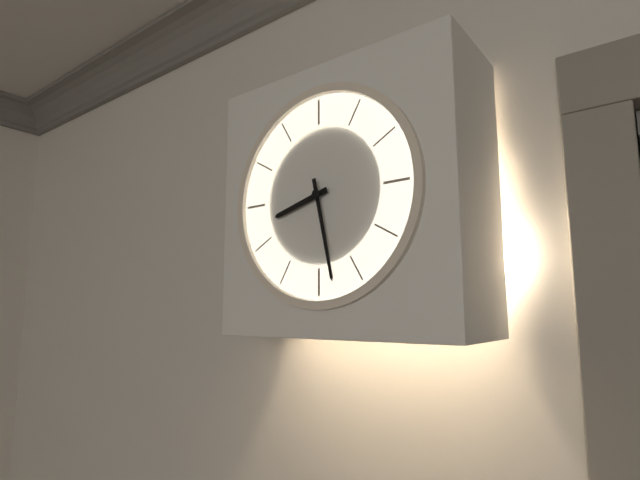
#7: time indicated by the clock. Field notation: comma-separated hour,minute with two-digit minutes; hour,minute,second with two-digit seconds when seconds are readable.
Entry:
8,28
